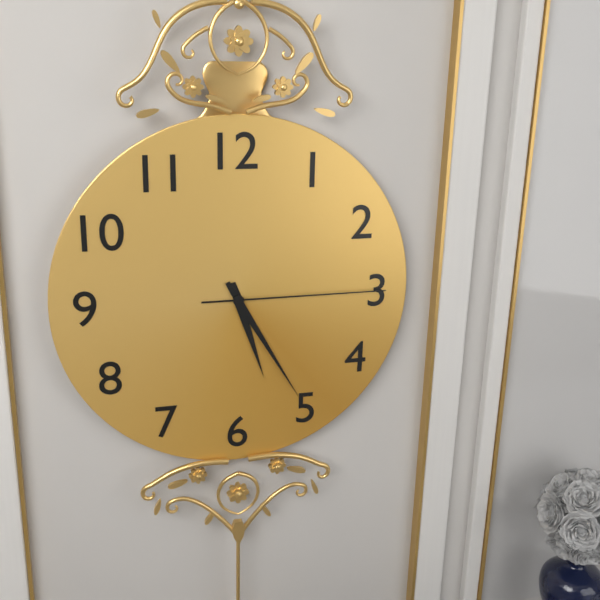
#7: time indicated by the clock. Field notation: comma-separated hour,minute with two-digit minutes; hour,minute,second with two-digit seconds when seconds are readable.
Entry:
5,25,15
